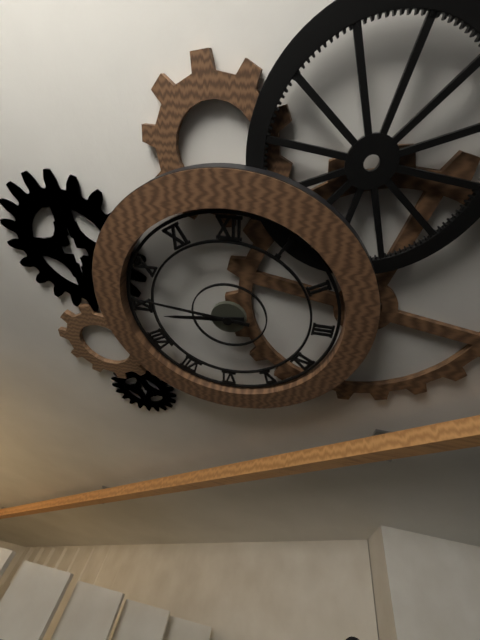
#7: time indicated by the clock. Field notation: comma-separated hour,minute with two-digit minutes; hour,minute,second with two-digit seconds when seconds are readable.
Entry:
8,46
